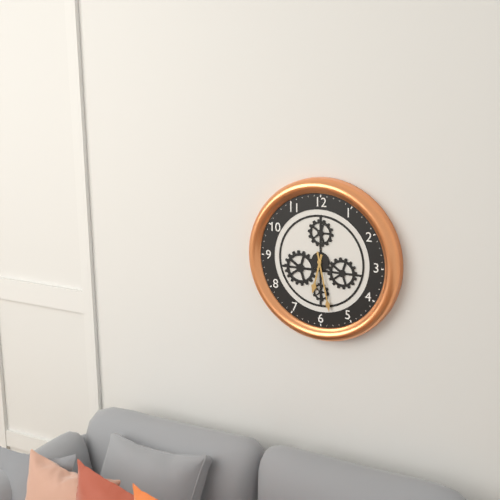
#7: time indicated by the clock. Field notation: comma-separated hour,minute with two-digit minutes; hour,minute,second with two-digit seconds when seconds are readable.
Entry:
6,28
